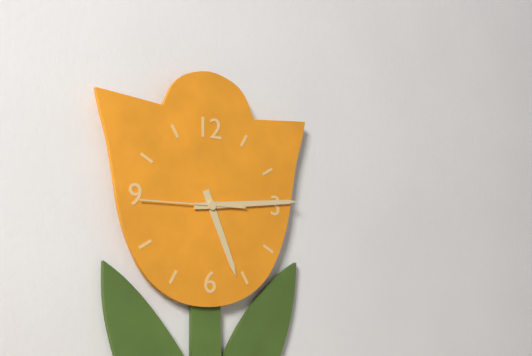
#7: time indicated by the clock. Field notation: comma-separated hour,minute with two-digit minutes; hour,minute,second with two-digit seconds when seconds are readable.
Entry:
5,14,45
